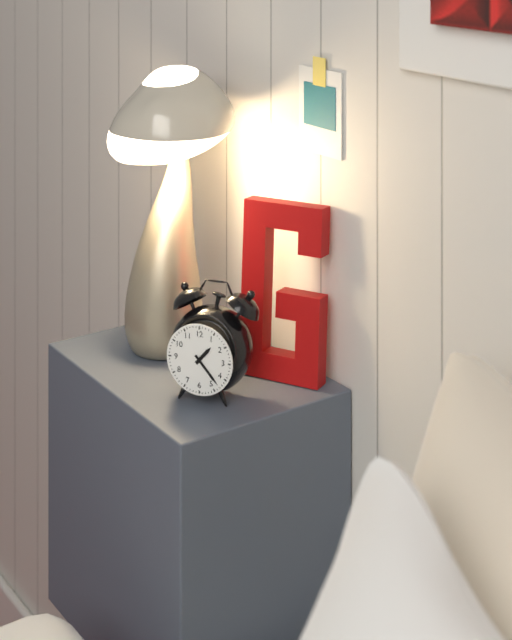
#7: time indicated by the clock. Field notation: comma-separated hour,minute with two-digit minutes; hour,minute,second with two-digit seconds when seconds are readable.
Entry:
1,23
